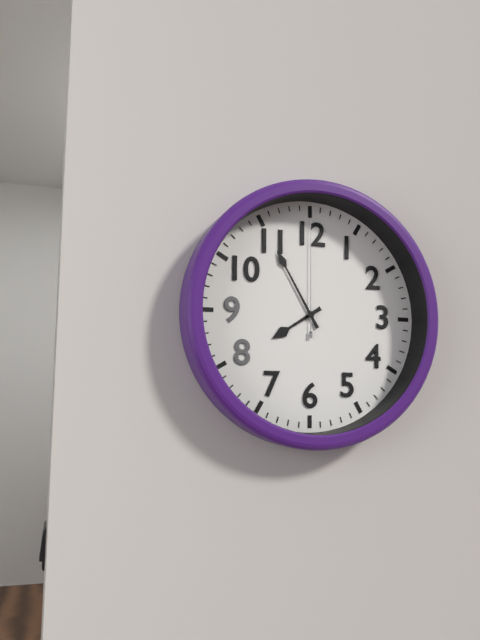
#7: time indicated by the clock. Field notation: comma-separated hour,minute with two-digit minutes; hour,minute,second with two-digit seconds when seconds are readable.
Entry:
7,55,00
